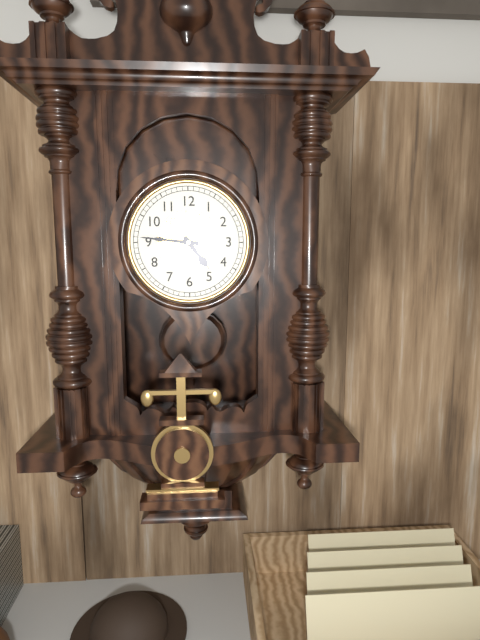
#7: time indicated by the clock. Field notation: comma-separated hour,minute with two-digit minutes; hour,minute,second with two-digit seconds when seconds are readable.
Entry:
4,46
